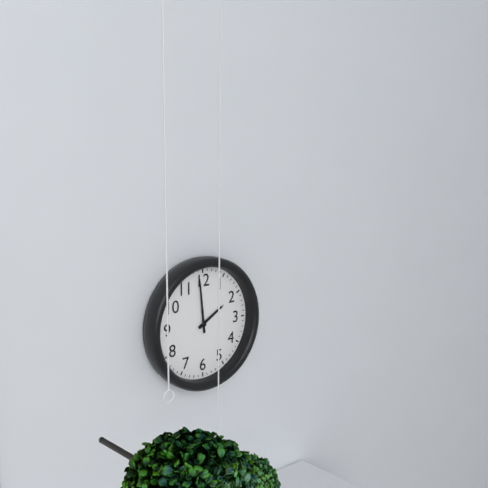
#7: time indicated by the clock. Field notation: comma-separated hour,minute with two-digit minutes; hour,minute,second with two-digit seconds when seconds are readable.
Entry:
1,59
